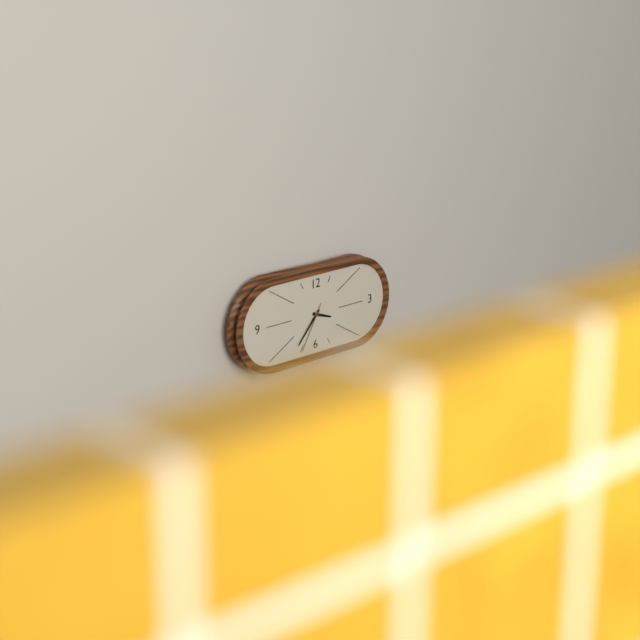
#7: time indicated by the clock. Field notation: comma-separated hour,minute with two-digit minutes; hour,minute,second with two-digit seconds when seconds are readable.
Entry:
3,37,35
